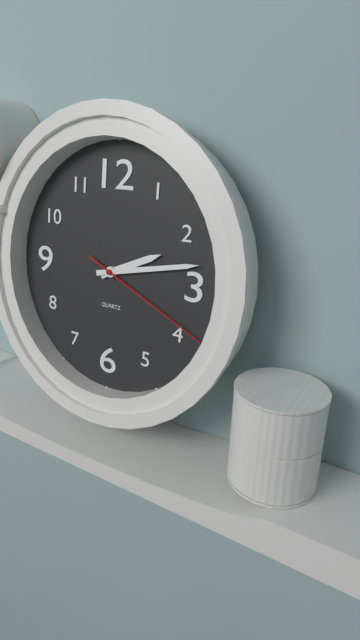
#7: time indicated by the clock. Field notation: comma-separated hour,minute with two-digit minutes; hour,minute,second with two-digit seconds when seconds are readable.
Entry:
2,13,19
